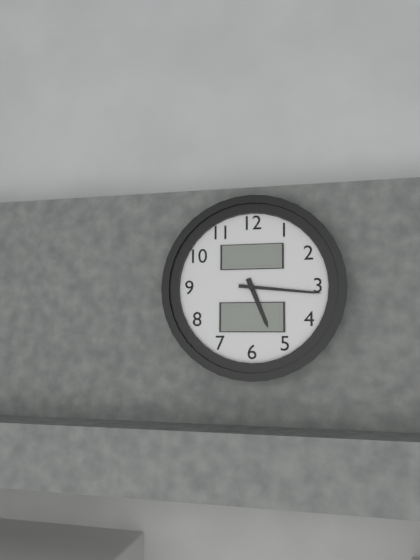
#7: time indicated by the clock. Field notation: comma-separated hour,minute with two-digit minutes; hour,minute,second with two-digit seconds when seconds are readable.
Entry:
5,16
